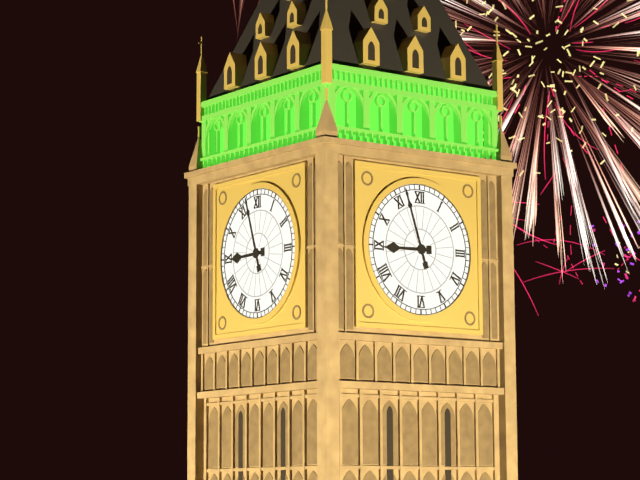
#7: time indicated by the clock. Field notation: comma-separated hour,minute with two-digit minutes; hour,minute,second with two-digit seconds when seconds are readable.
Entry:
8,57
